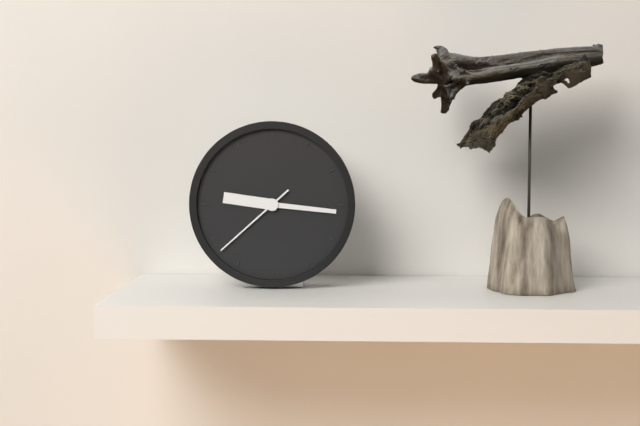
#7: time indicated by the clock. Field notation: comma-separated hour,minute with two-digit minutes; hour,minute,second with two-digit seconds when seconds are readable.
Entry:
9,16,38
